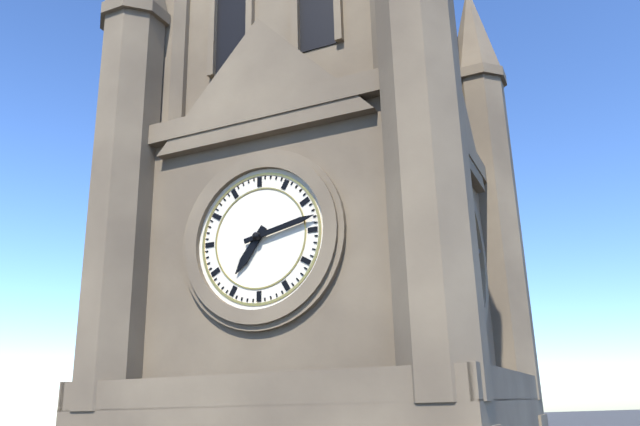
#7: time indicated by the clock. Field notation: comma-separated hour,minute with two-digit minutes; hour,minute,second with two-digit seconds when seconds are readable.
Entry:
7,13
